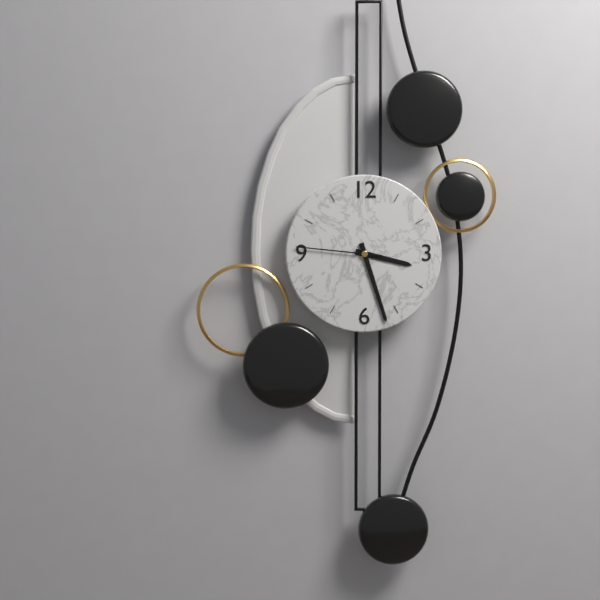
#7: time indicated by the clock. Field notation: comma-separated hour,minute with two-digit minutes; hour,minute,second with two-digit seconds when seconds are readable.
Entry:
3,27,46
